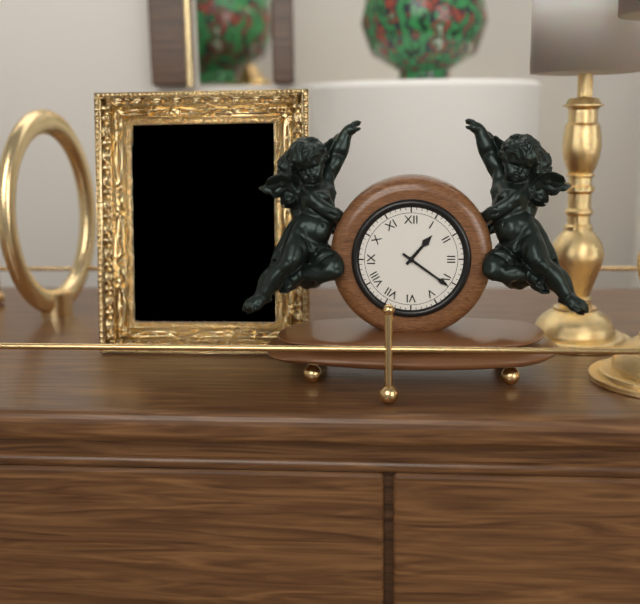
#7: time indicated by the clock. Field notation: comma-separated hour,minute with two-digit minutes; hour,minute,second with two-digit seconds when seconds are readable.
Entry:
1,21
